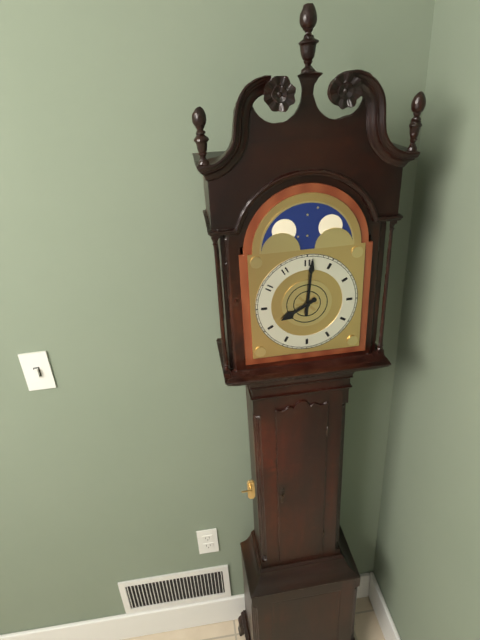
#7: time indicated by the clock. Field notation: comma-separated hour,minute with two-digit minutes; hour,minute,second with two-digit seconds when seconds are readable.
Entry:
8,01
